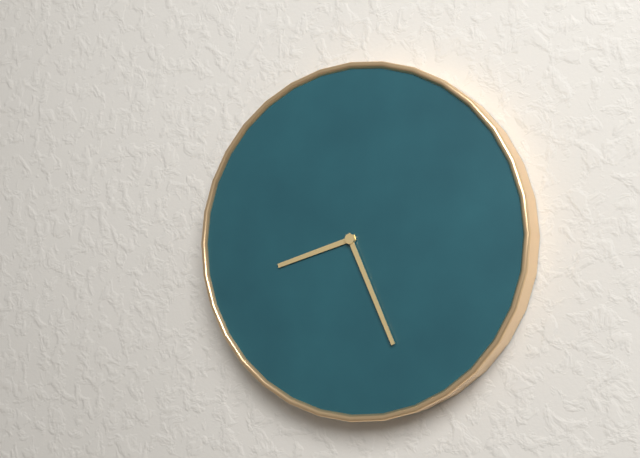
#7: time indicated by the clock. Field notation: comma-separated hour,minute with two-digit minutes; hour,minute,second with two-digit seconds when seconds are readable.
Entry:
8,26
